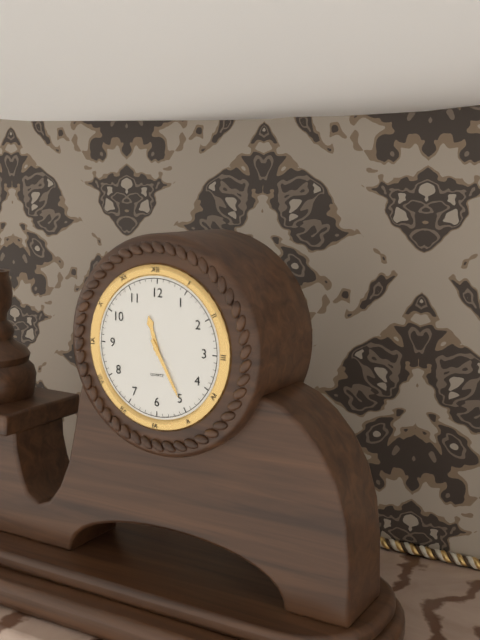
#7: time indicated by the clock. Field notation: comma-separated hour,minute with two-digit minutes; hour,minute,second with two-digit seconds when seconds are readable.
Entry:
11,25
